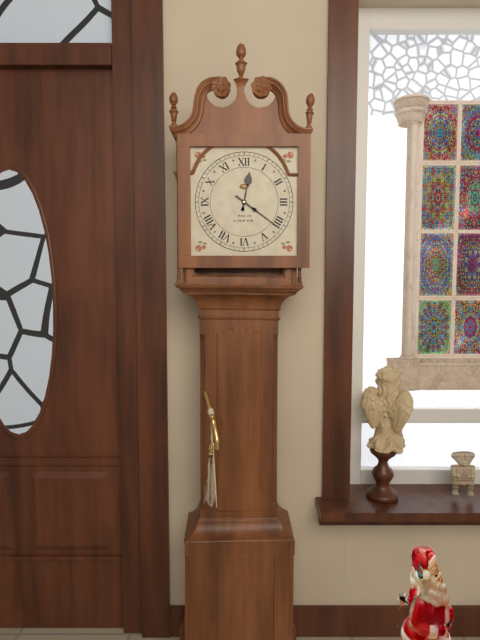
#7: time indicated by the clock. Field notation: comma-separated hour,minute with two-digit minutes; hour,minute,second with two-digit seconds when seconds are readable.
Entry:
12,21
